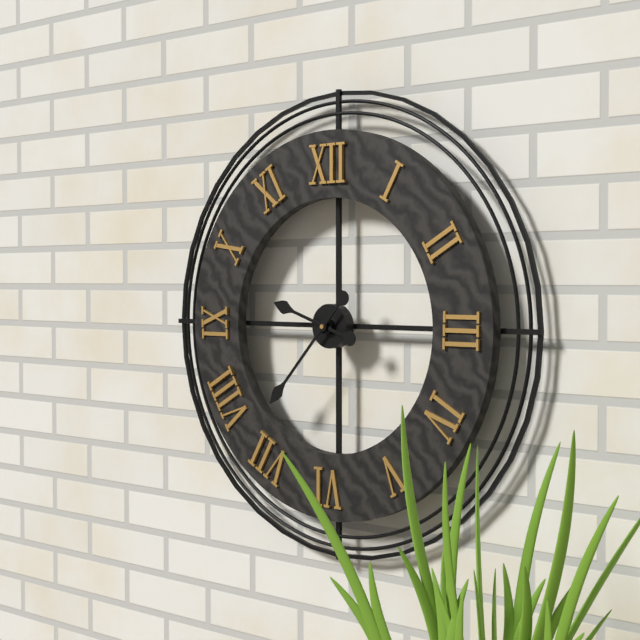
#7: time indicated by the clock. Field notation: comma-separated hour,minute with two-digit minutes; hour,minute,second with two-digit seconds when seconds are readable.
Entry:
9,37
